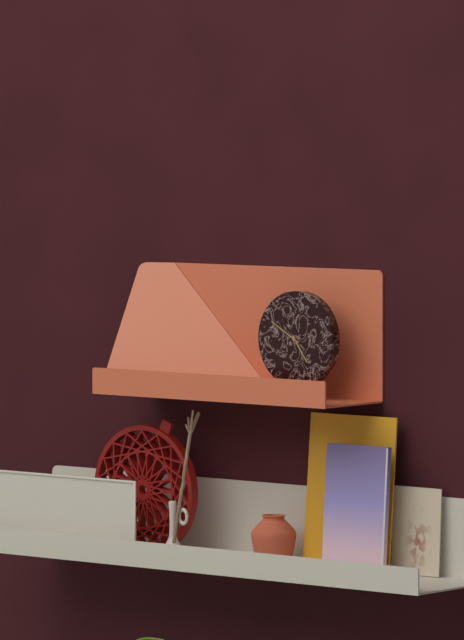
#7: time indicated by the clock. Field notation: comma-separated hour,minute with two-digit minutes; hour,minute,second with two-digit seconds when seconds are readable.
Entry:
4,50
